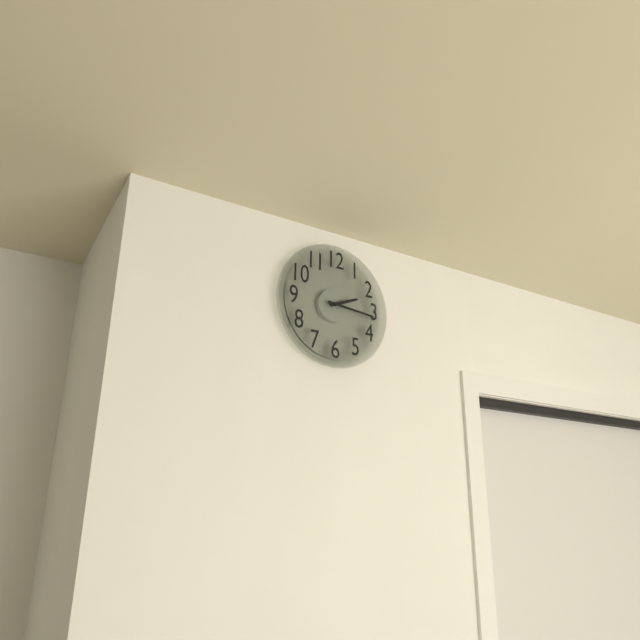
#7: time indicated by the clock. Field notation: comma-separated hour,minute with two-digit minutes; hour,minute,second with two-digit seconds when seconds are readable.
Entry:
2,16
